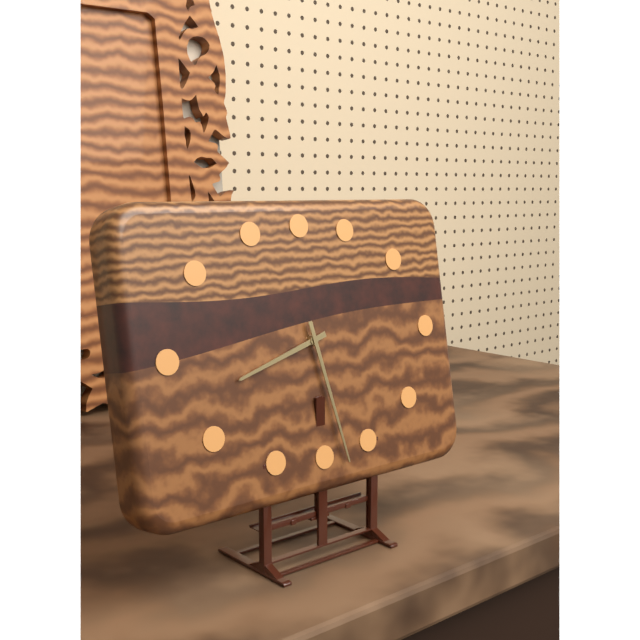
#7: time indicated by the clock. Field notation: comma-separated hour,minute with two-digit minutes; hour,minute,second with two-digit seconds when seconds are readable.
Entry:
8,28
